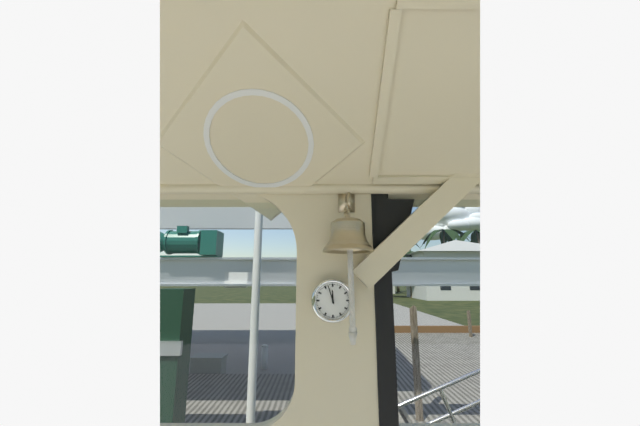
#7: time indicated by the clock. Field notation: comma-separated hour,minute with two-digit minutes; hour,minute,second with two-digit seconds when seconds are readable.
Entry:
11,57
